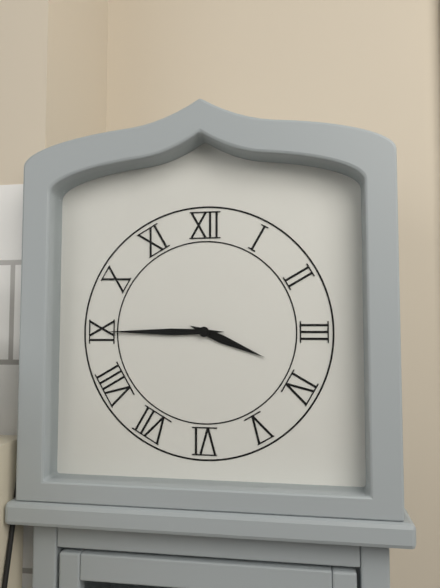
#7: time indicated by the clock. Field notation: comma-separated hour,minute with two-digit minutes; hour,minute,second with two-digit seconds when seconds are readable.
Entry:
3,45
